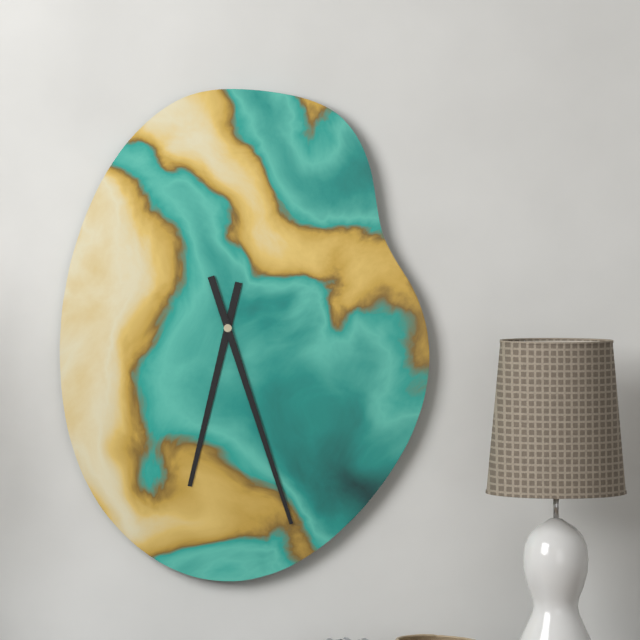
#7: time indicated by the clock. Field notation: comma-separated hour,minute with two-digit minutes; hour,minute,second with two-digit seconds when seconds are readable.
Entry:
6,27
